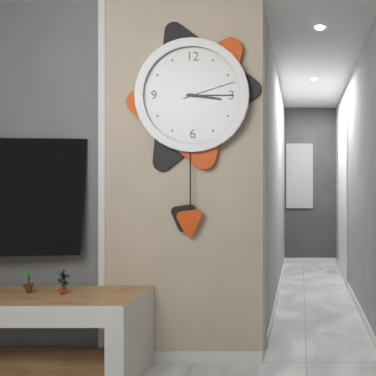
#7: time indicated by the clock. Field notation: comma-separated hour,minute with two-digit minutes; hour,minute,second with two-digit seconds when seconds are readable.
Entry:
3,15,12
